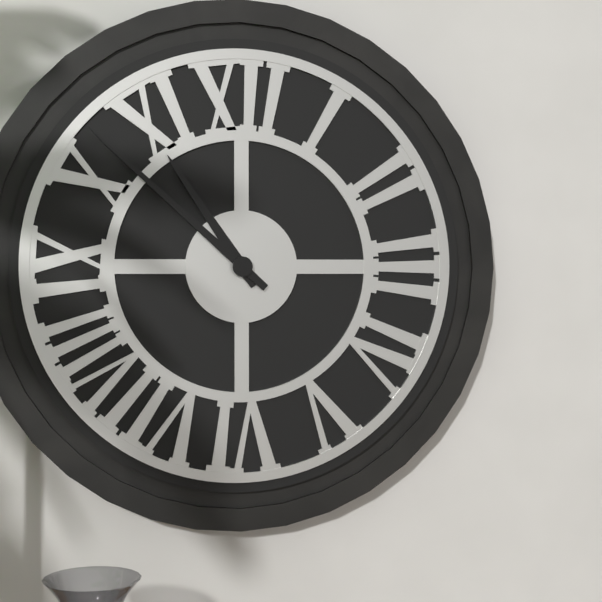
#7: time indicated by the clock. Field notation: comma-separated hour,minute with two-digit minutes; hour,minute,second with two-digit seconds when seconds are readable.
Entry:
10,52
